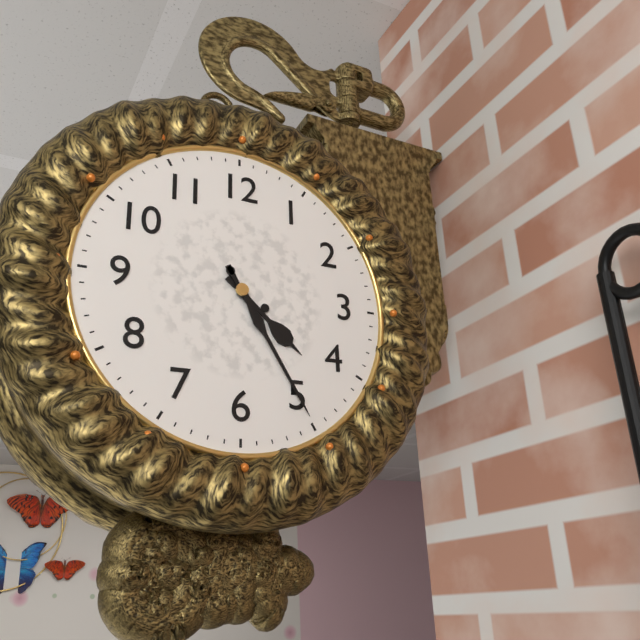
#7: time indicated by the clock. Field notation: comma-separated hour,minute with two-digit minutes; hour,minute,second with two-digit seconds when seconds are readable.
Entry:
4,25
